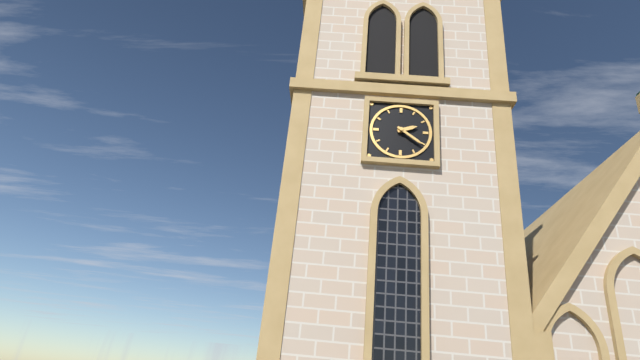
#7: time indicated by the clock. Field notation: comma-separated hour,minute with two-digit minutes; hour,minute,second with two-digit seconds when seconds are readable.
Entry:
2,21
